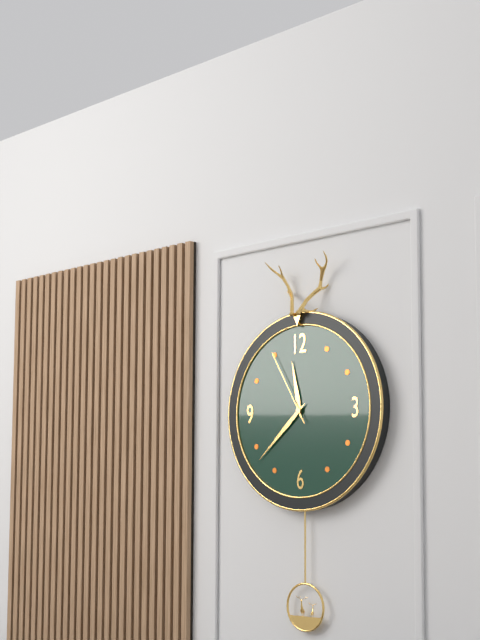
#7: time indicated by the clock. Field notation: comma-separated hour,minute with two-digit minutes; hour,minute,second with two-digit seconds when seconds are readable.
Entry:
11,38,55
